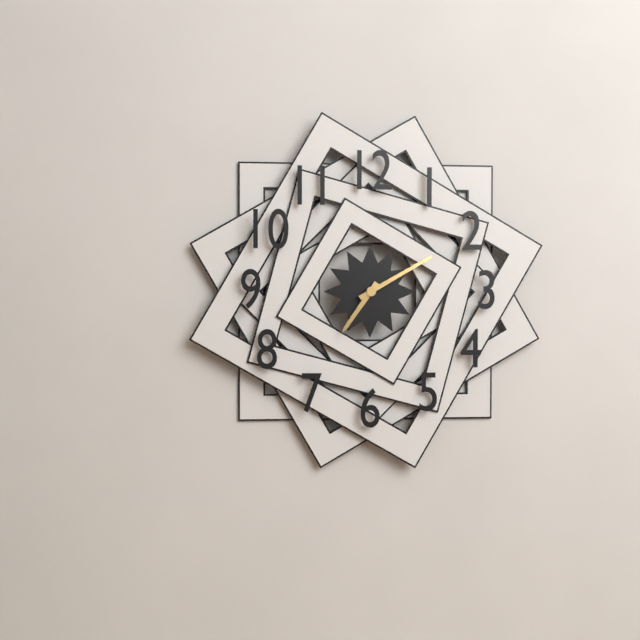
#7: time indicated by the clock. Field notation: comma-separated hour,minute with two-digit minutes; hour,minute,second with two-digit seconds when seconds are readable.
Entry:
7,10
